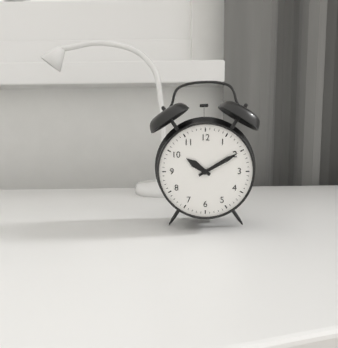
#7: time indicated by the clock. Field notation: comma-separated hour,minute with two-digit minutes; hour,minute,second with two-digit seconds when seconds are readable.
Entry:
10,10
